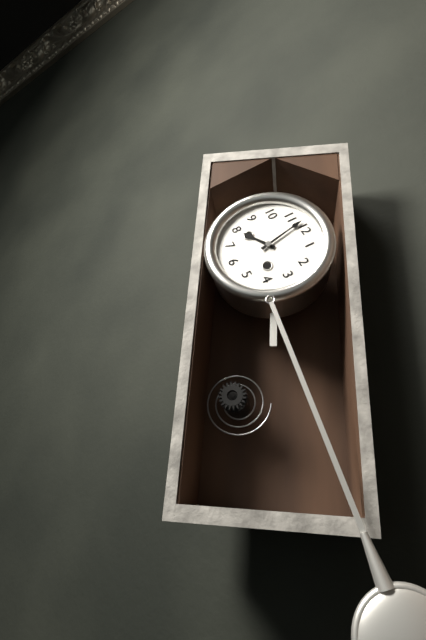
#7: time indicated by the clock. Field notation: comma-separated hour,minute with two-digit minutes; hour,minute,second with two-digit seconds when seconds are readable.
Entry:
7,58
